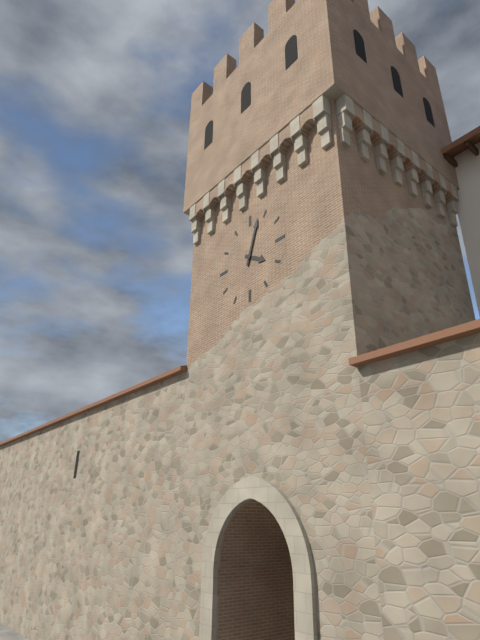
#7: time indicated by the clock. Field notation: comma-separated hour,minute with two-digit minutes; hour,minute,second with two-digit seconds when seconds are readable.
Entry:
4,03
